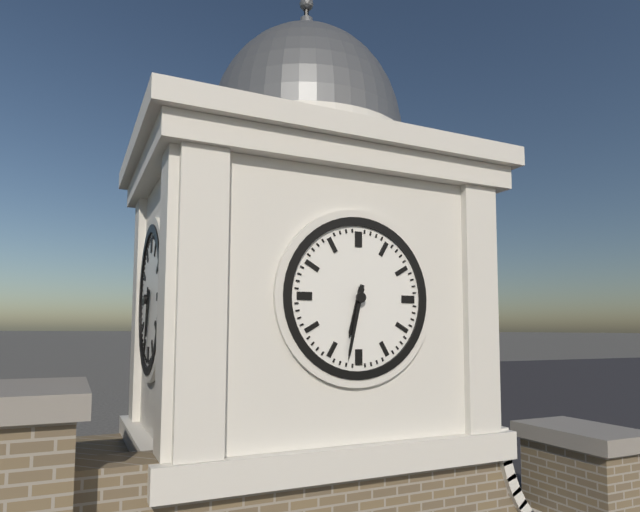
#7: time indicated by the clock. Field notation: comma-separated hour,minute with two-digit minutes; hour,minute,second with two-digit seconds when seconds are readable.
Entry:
6,32
